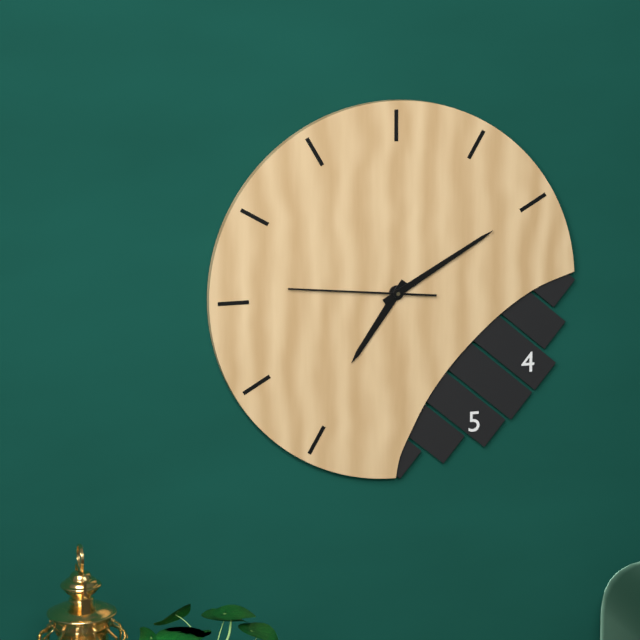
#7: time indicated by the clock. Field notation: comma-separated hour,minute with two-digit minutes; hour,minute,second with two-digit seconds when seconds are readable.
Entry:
7,10,46
